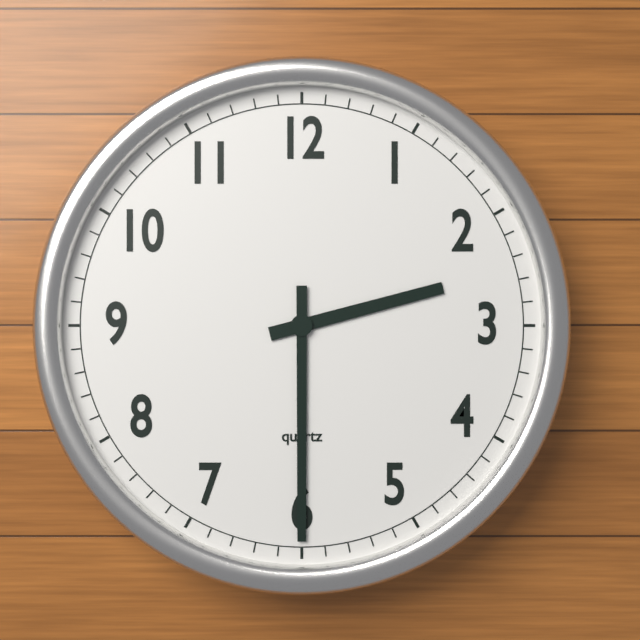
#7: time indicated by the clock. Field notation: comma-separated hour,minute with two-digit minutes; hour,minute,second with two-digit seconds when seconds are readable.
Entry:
2,30
